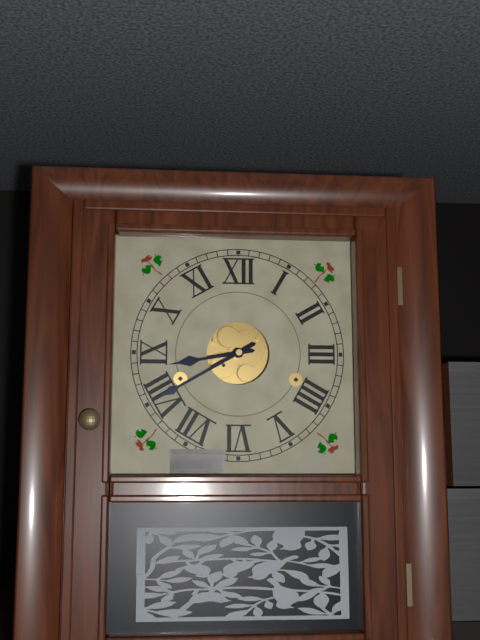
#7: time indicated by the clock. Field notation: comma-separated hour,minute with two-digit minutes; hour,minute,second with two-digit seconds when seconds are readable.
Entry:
8,40
